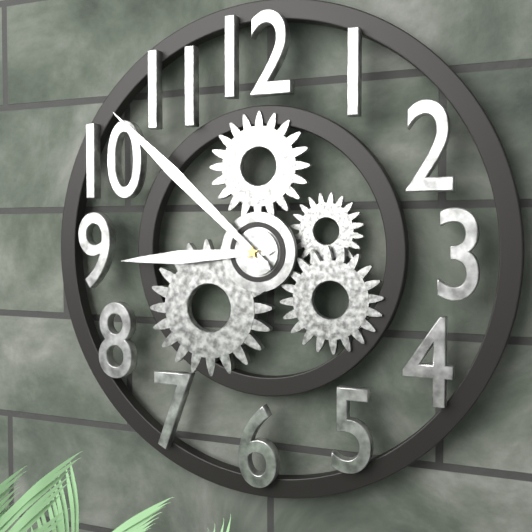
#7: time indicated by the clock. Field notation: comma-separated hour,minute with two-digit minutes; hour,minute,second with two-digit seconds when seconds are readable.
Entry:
8,52
